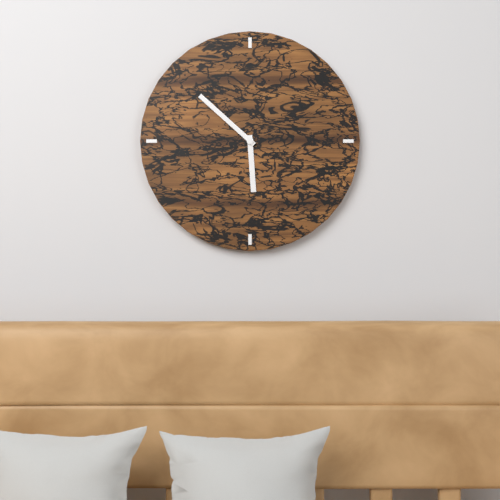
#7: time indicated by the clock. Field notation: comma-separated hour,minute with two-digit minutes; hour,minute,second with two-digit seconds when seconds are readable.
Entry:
5,52
